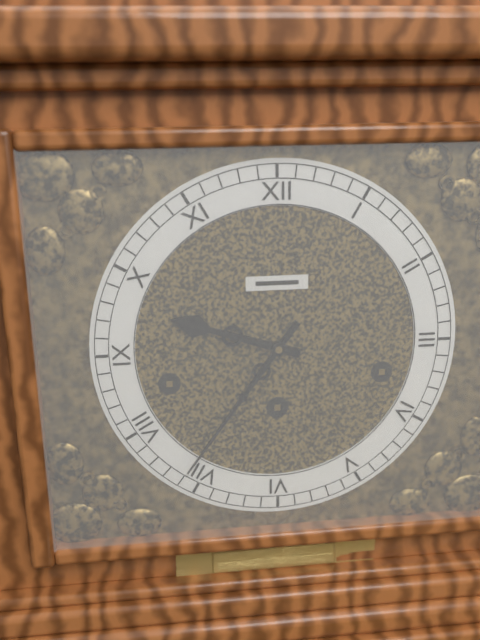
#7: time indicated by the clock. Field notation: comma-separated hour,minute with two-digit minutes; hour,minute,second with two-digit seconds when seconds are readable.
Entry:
9,36
